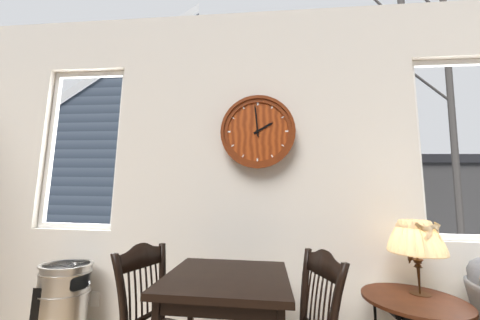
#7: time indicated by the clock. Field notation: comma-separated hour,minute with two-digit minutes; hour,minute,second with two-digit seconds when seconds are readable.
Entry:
1,59
